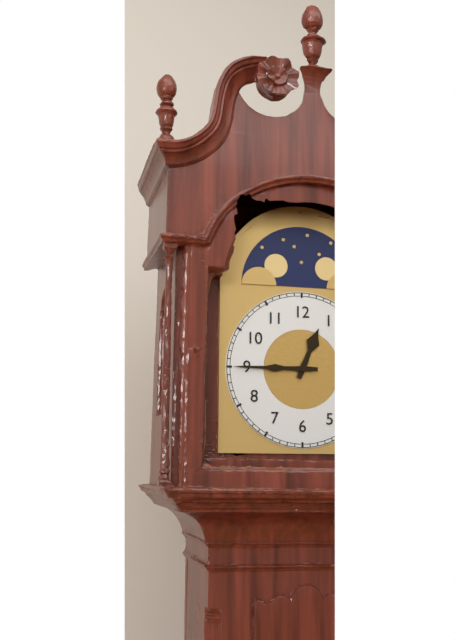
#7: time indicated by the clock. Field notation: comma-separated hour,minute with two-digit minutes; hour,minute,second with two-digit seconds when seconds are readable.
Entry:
12,45
